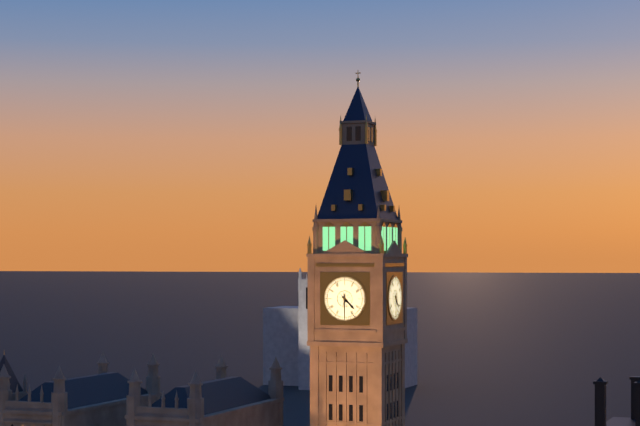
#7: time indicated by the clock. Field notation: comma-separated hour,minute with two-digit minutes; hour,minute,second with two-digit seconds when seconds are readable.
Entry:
4,30
